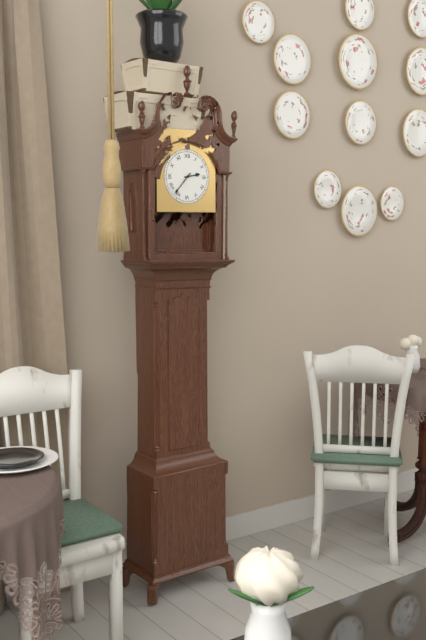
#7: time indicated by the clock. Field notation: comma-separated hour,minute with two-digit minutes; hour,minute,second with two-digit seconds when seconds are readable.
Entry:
2,37
